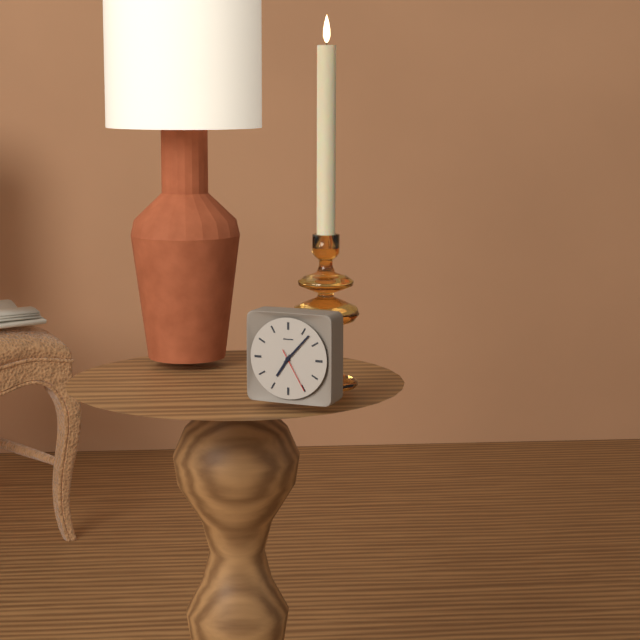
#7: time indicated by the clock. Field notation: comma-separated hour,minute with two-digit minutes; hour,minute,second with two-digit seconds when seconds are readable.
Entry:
7,07
